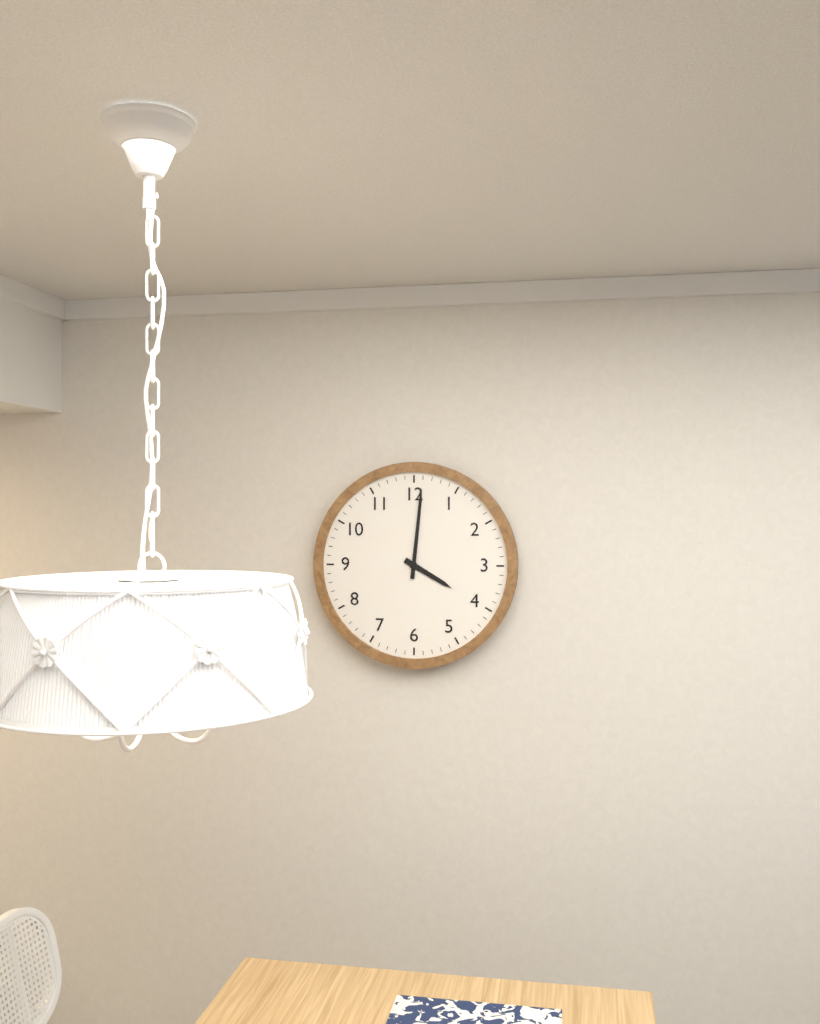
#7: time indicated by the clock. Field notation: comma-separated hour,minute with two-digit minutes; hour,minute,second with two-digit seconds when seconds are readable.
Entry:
4,01
